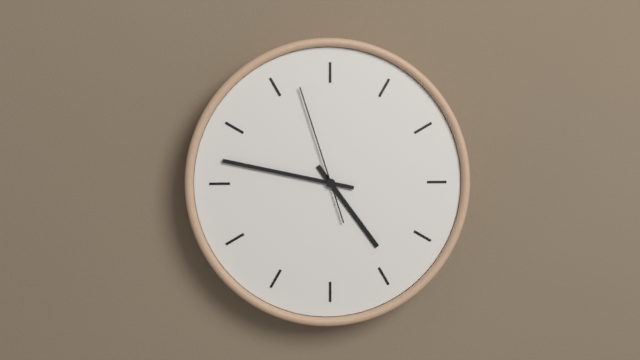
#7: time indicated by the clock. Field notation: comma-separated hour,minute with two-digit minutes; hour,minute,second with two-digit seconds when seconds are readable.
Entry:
4,47,57
